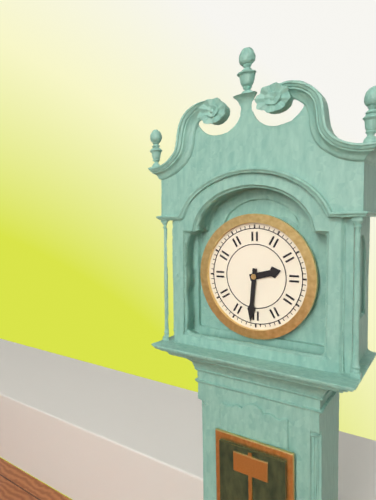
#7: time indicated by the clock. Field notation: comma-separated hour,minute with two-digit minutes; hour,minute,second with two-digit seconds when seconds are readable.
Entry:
2,31
